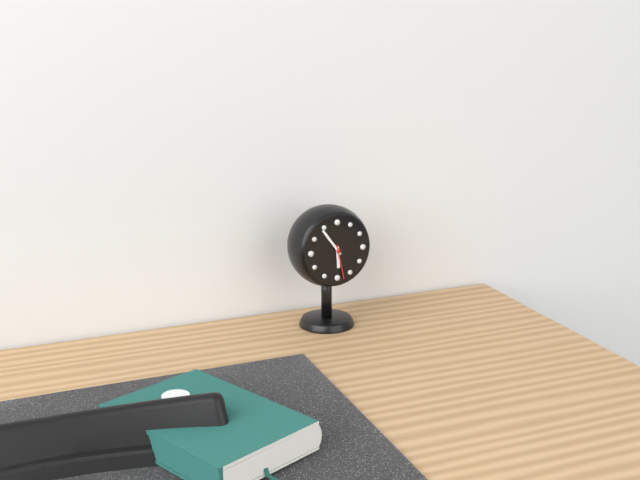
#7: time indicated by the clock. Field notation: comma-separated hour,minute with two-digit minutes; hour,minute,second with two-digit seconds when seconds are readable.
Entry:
5,54
